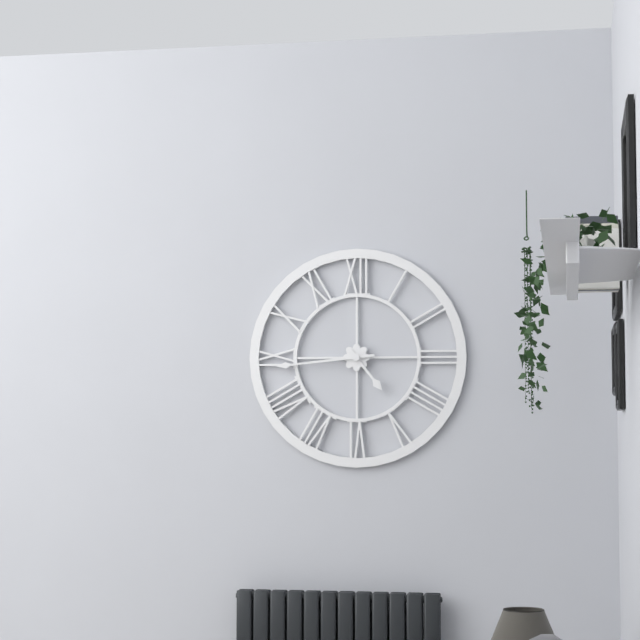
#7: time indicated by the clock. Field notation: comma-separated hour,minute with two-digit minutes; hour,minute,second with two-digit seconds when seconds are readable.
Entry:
4,44
